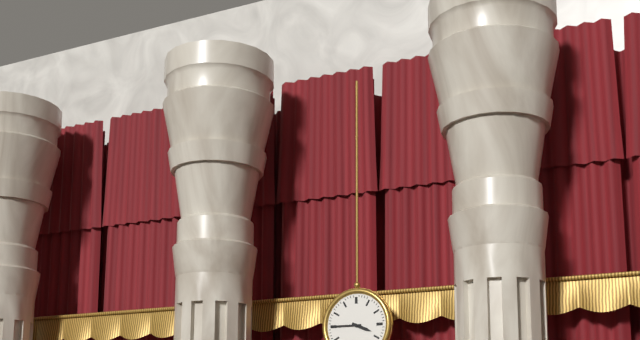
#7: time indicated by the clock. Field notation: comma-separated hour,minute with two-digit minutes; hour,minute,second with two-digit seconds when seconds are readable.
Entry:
3,45
